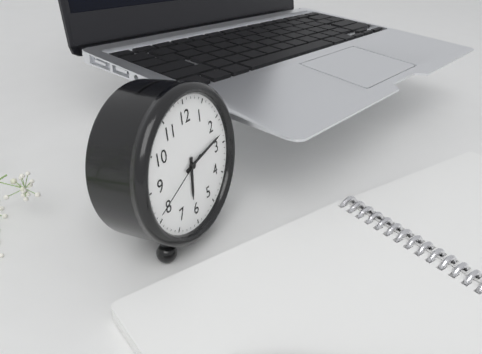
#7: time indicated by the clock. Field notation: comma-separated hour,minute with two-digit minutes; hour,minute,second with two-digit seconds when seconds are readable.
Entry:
6,13,41
